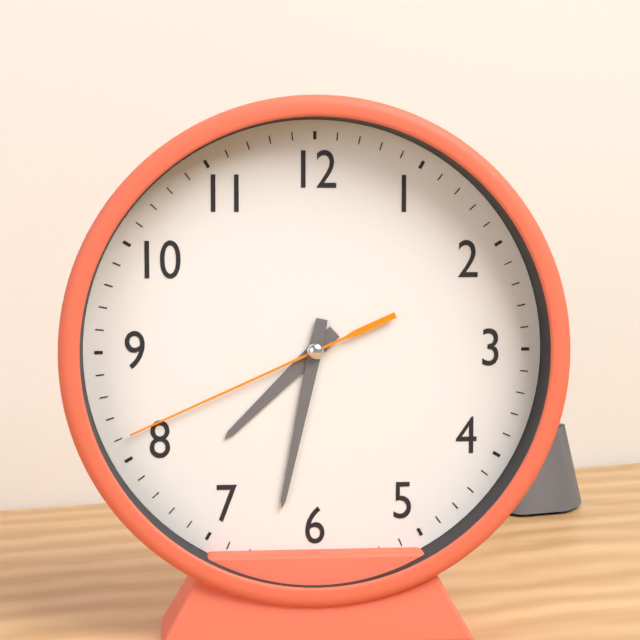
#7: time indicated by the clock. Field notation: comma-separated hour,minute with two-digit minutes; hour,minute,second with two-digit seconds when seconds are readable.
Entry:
7,32,41
